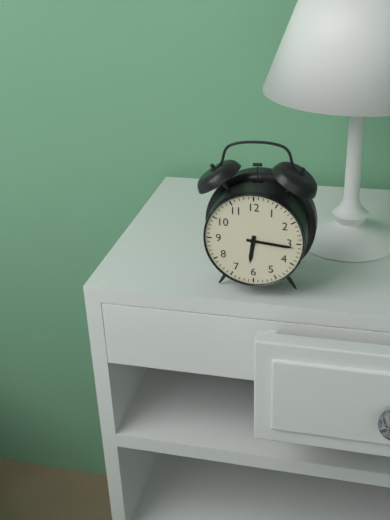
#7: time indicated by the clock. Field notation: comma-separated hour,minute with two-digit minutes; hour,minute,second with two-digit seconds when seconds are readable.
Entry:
6,16
